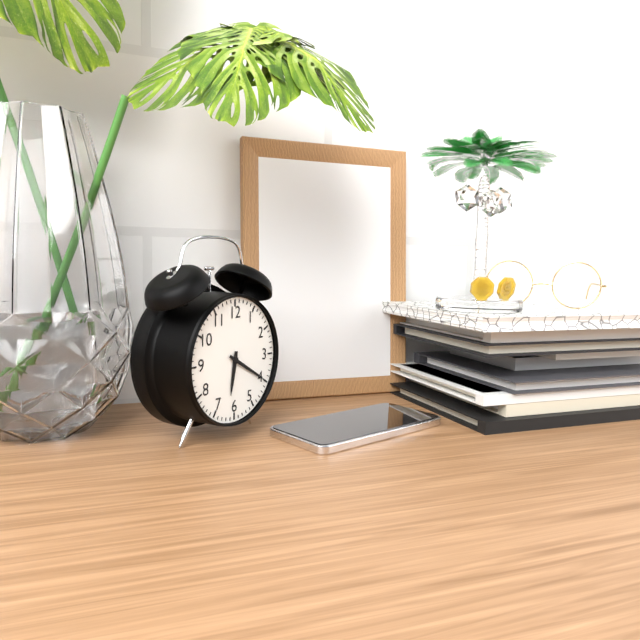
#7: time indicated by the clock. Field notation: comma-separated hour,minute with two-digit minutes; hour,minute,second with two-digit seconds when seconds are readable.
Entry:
6,20
